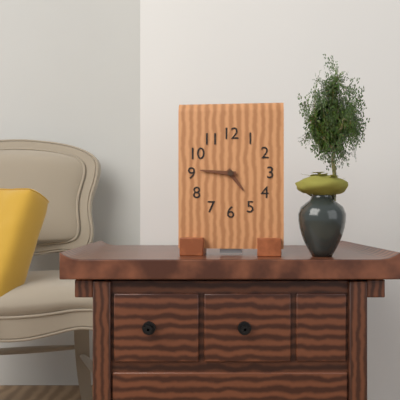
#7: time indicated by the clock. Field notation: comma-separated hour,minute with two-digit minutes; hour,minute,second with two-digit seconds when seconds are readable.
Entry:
4,46
